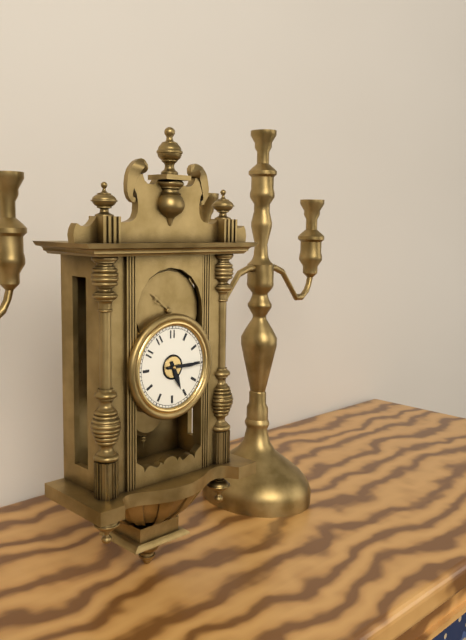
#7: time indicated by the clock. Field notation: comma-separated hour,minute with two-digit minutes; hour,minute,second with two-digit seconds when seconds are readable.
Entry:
5,15
